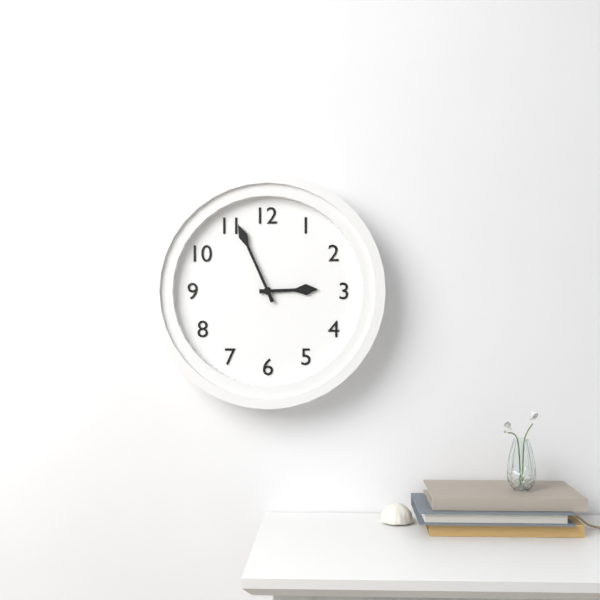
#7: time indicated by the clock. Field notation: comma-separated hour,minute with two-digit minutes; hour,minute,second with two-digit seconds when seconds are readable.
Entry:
2,56
